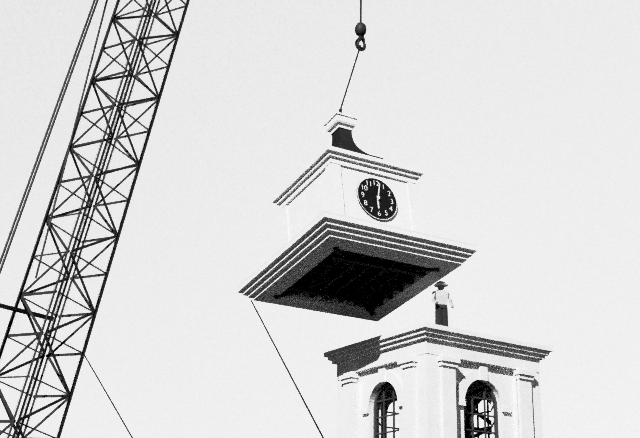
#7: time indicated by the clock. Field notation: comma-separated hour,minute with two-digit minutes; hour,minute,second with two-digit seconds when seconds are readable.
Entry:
6,02
